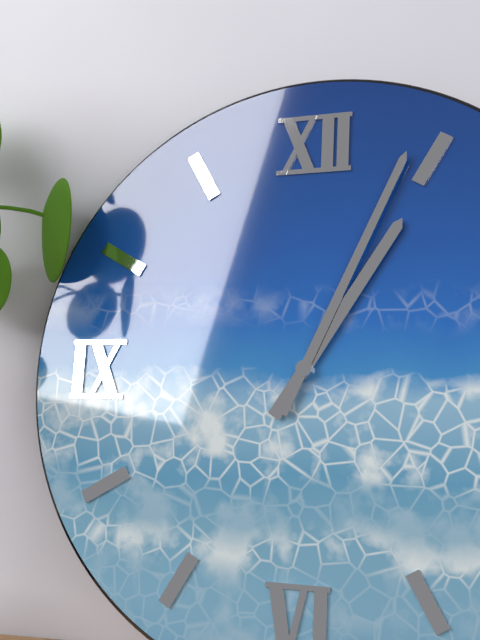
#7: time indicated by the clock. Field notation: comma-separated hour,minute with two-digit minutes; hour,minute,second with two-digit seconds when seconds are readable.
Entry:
1,04
